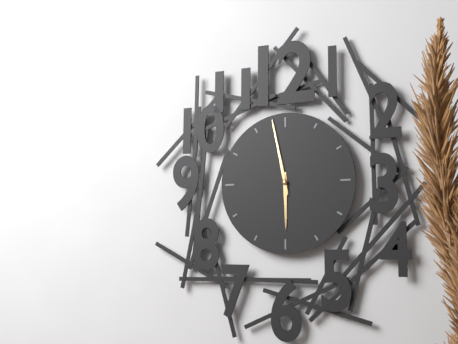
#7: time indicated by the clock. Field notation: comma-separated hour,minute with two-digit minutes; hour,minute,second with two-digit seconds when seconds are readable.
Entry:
5,58
